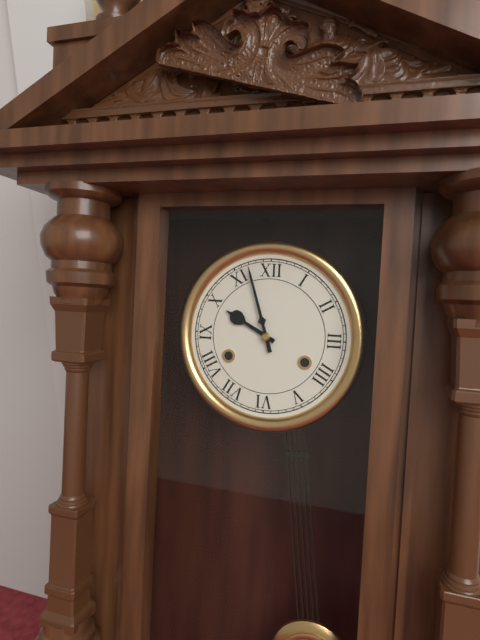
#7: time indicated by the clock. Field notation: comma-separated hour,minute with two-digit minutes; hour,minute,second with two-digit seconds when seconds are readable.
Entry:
9,57
